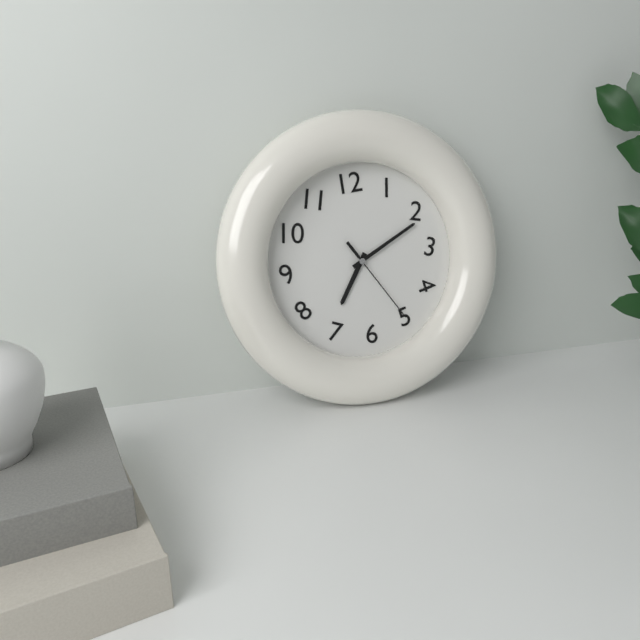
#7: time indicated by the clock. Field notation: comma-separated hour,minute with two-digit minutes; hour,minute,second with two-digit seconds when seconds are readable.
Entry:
7,11,25
